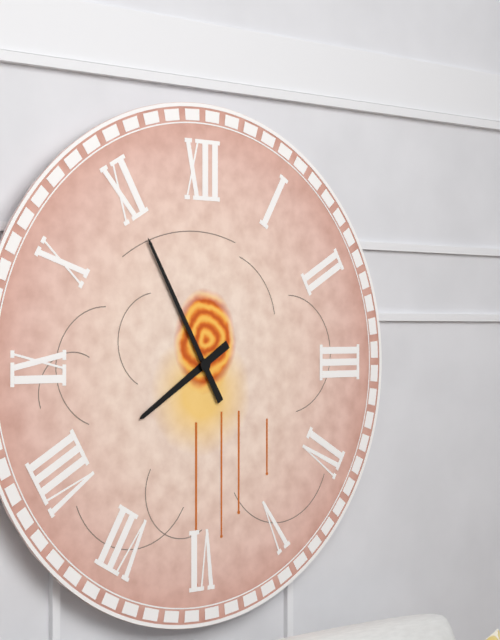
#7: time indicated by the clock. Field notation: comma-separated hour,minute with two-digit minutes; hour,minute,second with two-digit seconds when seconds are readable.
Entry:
7,55
